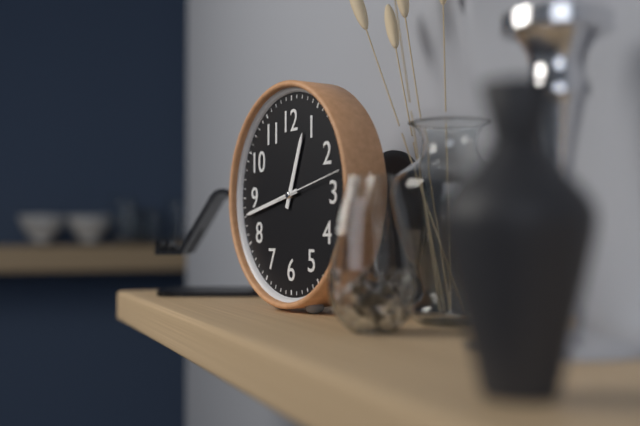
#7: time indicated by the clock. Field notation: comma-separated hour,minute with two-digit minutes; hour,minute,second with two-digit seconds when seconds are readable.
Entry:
12,43,13
